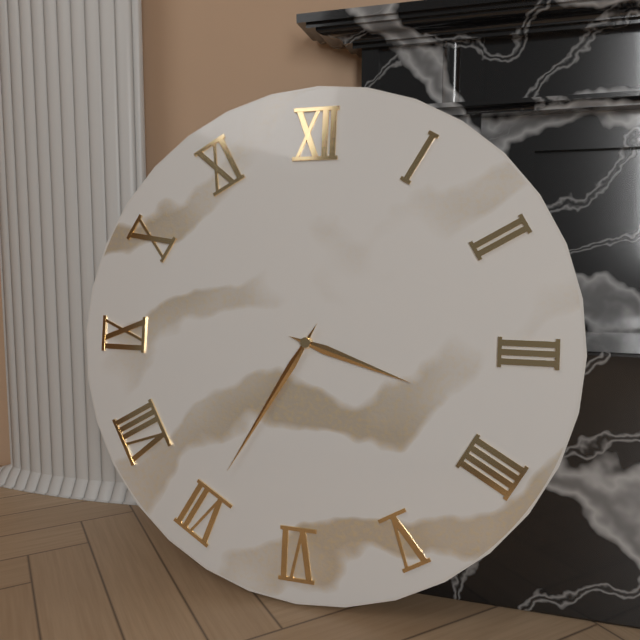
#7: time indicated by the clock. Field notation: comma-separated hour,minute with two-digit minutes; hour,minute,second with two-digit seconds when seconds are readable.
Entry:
3,35
